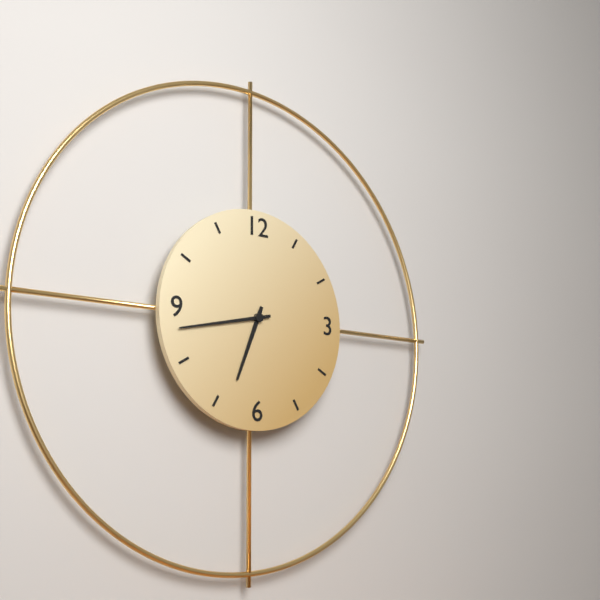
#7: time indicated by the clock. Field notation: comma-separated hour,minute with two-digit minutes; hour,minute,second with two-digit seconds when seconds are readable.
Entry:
6,43
